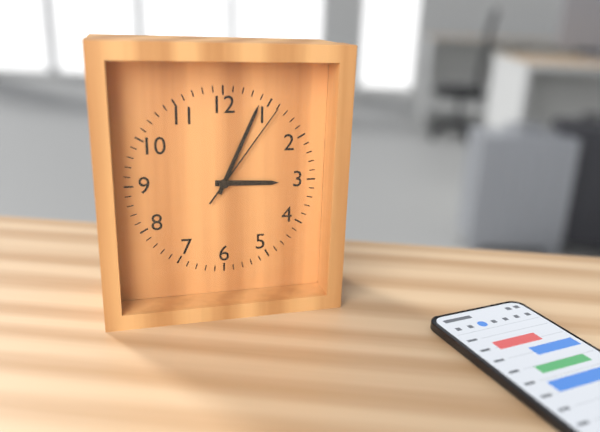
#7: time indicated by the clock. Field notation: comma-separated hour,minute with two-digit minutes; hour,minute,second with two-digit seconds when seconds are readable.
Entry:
3,04,06
